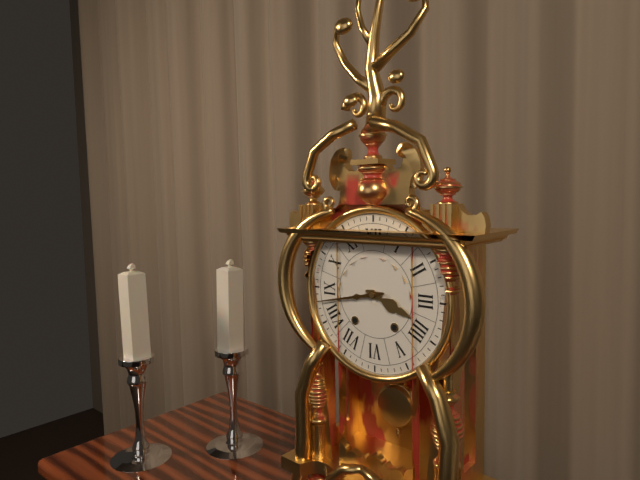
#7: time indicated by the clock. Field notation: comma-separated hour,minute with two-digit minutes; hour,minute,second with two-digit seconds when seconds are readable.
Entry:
3,43
